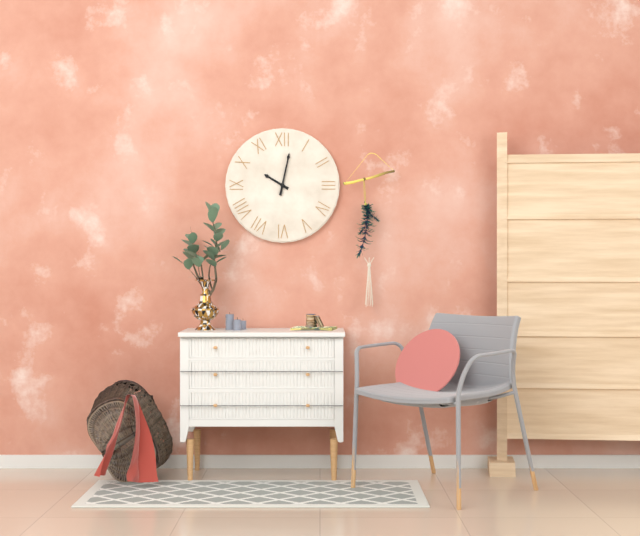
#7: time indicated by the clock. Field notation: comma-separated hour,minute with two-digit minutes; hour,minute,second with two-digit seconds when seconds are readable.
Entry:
10,02
